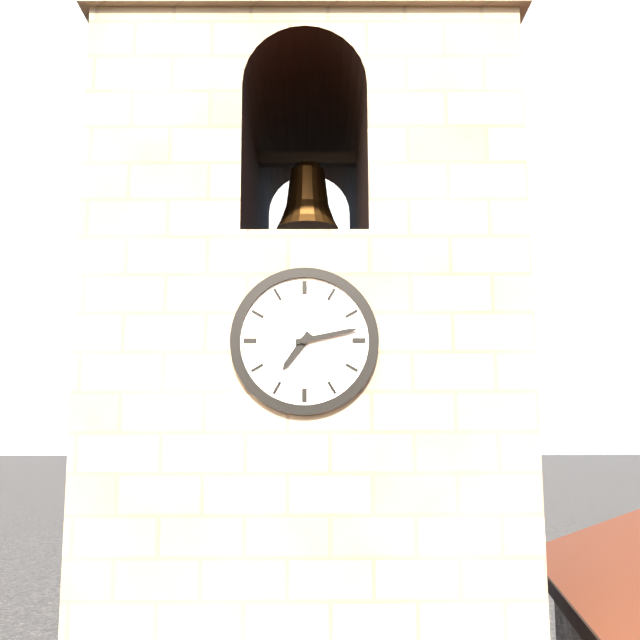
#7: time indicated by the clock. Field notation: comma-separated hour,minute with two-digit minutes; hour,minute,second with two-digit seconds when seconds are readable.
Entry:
7,13
